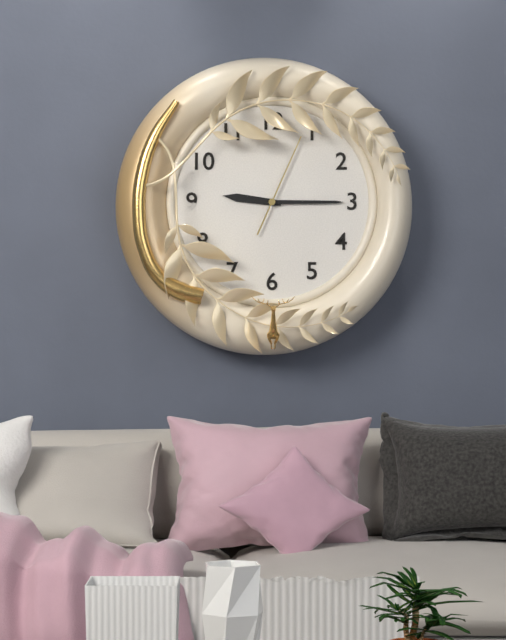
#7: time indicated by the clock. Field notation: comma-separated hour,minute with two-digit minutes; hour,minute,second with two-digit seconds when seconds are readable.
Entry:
9,15,04
